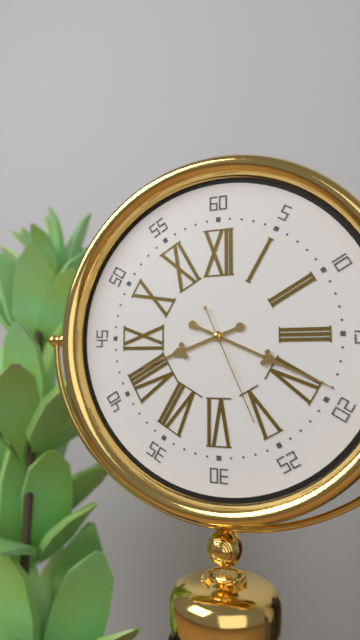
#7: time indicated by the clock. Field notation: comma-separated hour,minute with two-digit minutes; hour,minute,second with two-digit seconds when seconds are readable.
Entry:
8,19,26
